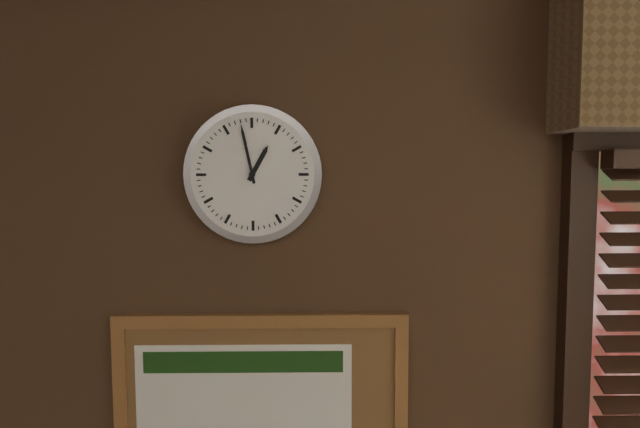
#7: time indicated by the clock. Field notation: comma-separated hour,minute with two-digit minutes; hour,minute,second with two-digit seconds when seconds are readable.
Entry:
12,58
